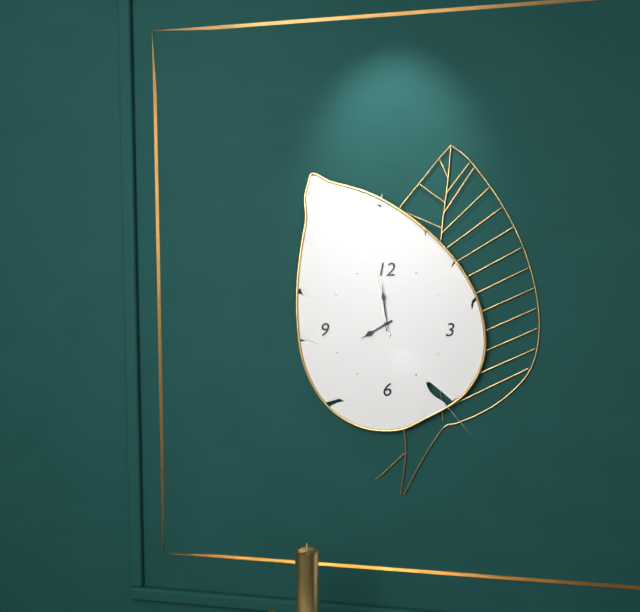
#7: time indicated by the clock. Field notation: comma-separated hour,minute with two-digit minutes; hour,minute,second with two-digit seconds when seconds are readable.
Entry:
7,59,58
